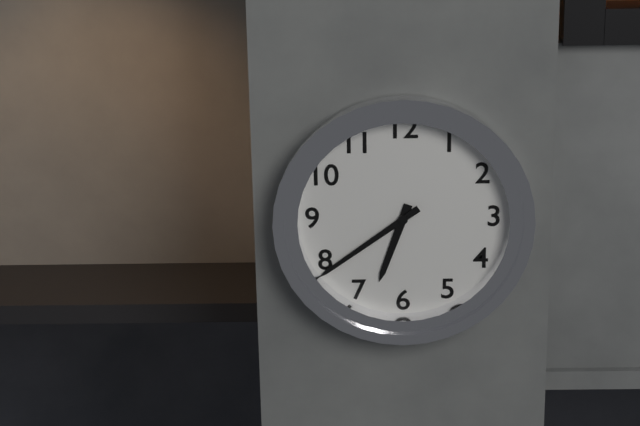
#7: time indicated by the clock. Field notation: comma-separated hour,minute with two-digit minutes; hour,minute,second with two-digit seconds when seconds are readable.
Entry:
6,39
